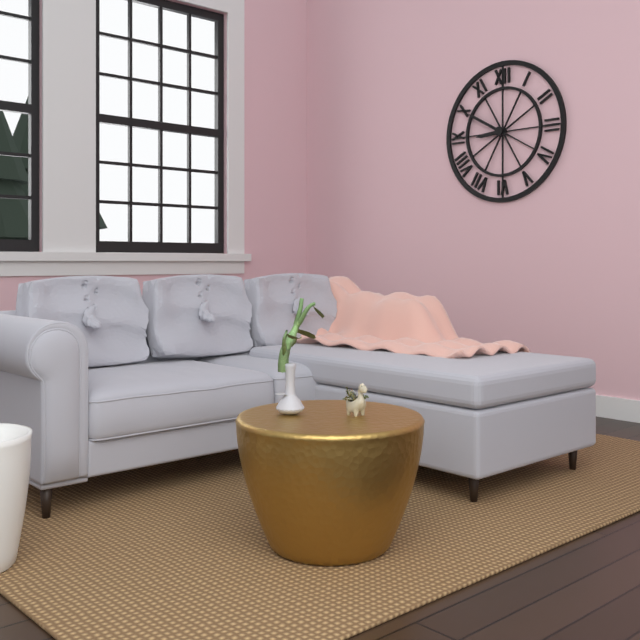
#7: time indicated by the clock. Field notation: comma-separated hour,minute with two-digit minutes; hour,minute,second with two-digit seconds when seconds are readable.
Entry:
8,50
